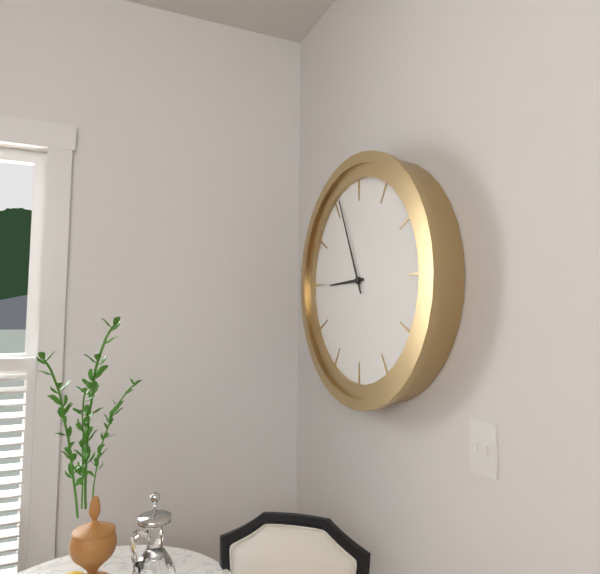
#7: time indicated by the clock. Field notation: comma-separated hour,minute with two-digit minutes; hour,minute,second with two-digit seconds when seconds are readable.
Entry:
8,56
